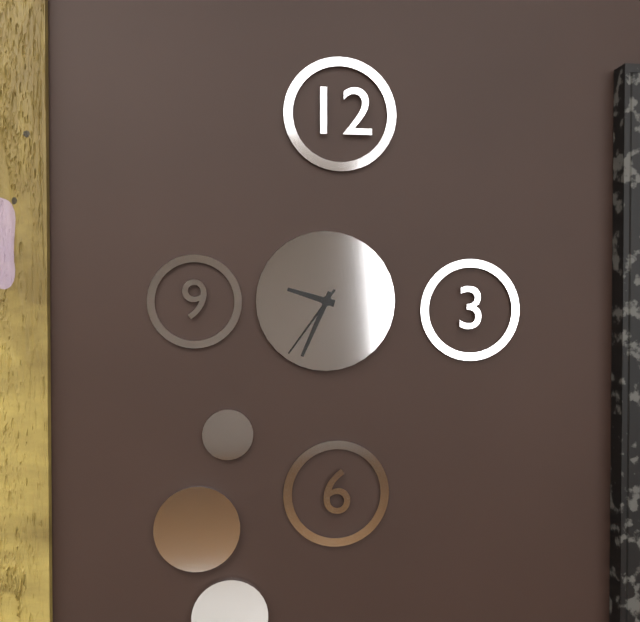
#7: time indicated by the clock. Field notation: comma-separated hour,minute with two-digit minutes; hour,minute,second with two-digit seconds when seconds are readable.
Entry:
9,34,36
